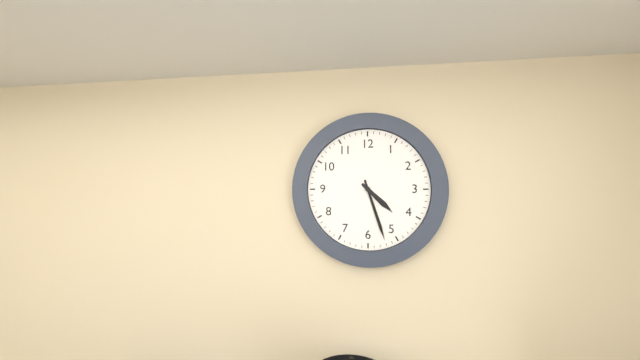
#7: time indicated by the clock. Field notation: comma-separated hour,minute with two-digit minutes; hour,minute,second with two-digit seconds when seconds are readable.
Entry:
4,27
